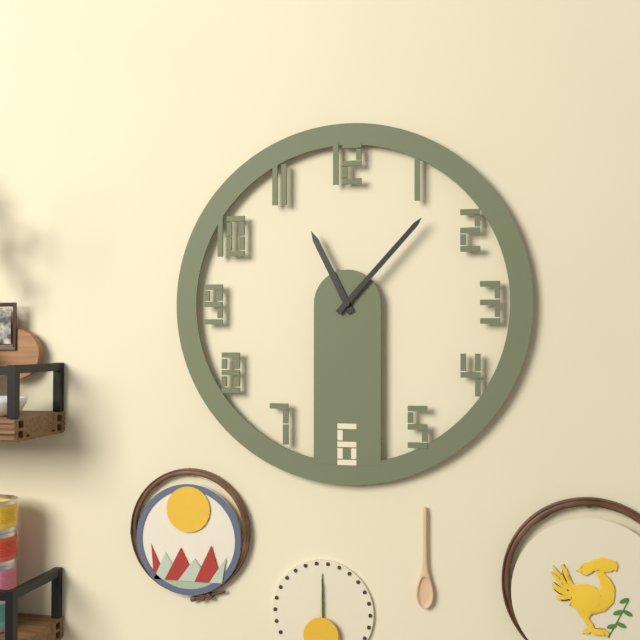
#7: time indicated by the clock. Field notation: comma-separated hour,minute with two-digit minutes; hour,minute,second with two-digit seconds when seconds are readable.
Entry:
11,07
